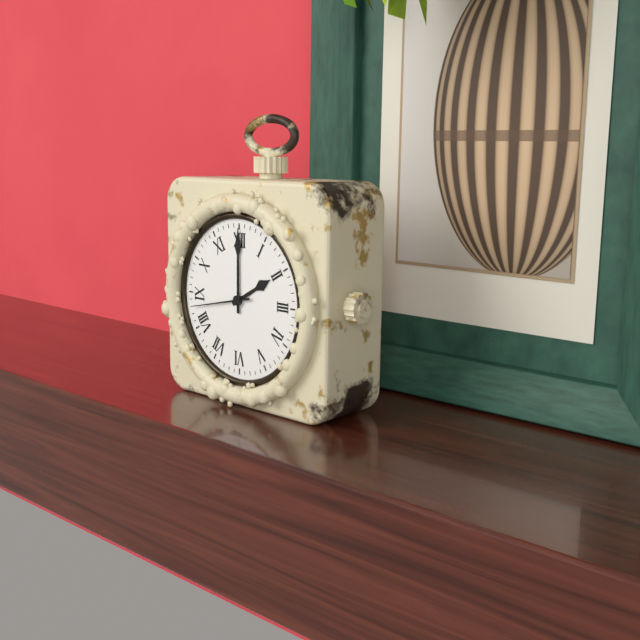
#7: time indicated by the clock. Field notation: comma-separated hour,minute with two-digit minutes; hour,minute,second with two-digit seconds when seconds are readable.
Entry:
2,00,43
